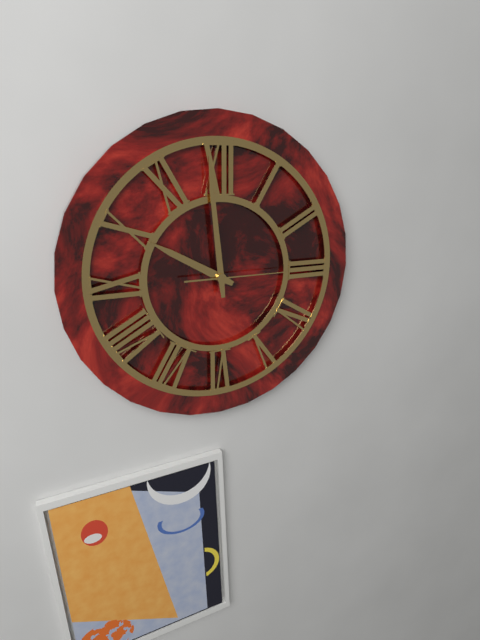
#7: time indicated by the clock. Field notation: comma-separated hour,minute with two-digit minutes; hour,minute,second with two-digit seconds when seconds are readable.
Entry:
9,59,15
